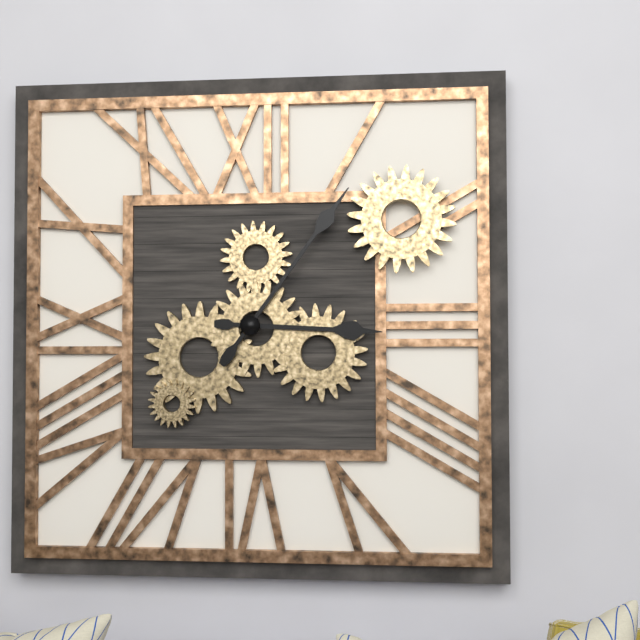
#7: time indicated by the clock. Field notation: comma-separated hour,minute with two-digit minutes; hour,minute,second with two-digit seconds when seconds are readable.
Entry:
3,06
